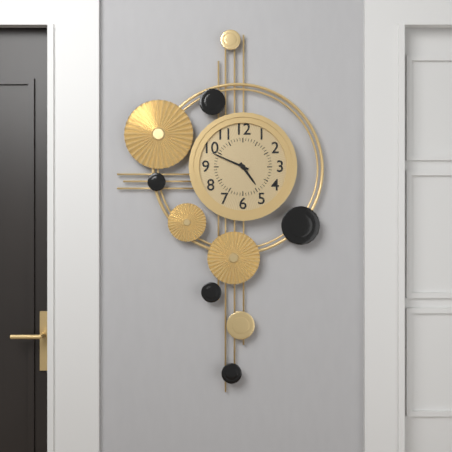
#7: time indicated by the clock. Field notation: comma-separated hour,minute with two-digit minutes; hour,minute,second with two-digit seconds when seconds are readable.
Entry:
4,49
